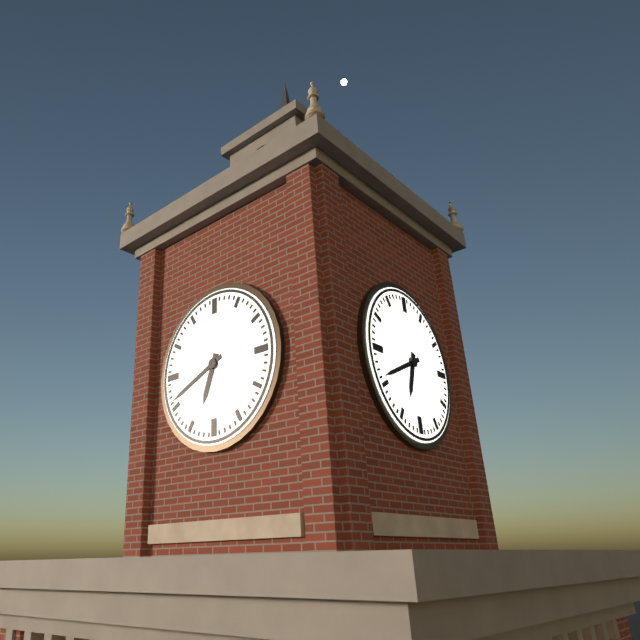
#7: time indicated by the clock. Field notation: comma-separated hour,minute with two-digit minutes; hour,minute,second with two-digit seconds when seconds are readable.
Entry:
6,41
